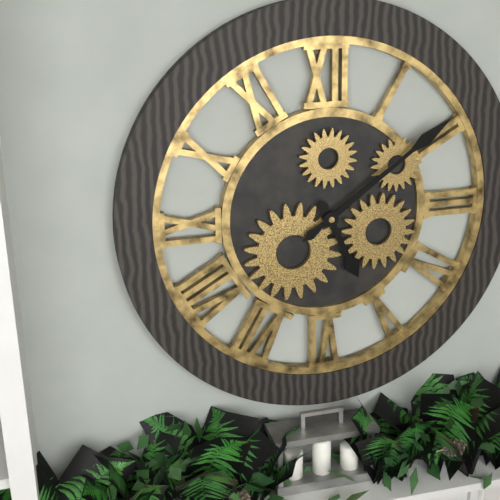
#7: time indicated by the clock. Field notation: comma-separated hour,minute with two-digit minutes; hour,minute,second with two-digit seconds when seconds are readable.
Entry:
5,09
